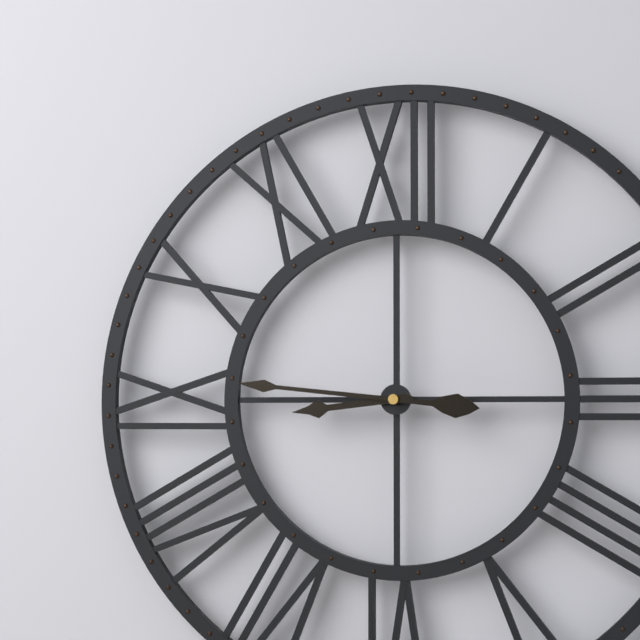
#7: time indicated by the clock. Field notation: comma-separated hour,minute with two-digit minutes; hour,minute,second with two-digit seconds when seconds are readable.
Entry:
8,46
